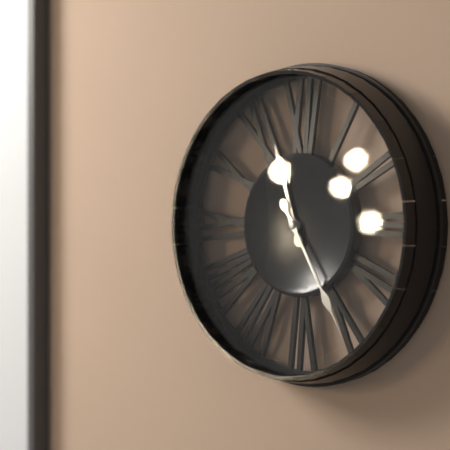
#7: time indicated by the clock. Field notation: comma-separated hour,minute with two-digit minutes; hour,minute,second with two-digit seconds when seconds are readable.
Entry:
11,25
